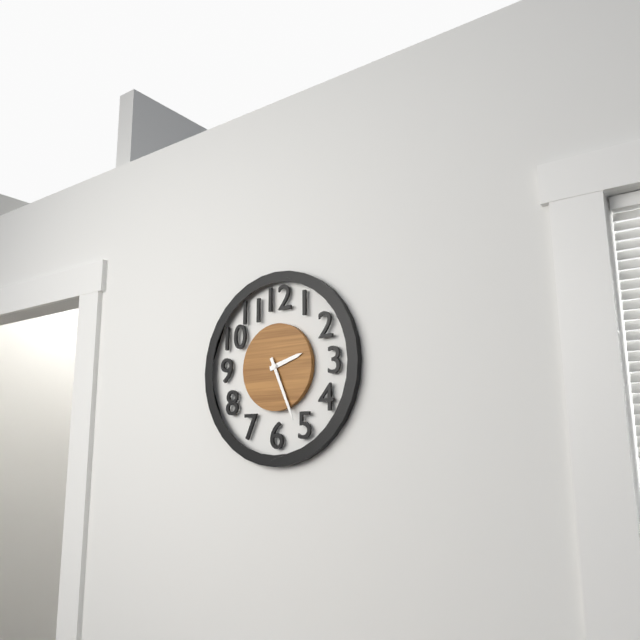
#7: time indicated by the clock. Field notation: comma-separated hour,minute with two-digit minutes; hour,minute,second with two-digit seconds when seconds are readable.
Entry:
2,26
